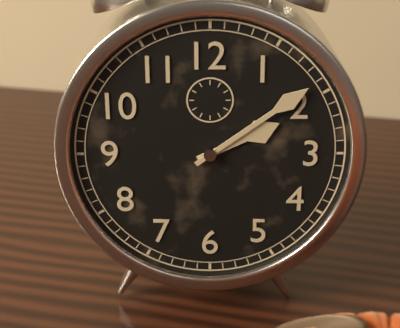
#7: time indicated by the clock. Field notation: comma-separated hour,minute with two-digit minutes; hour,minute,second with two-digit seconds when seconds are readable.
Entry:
2,09
